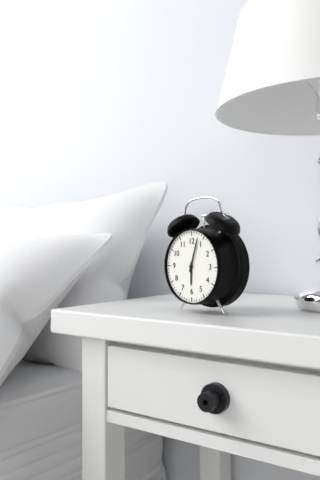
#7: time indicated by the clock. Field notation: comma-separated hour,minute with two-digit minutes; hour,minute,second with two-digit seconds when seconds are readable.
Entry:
6,03
